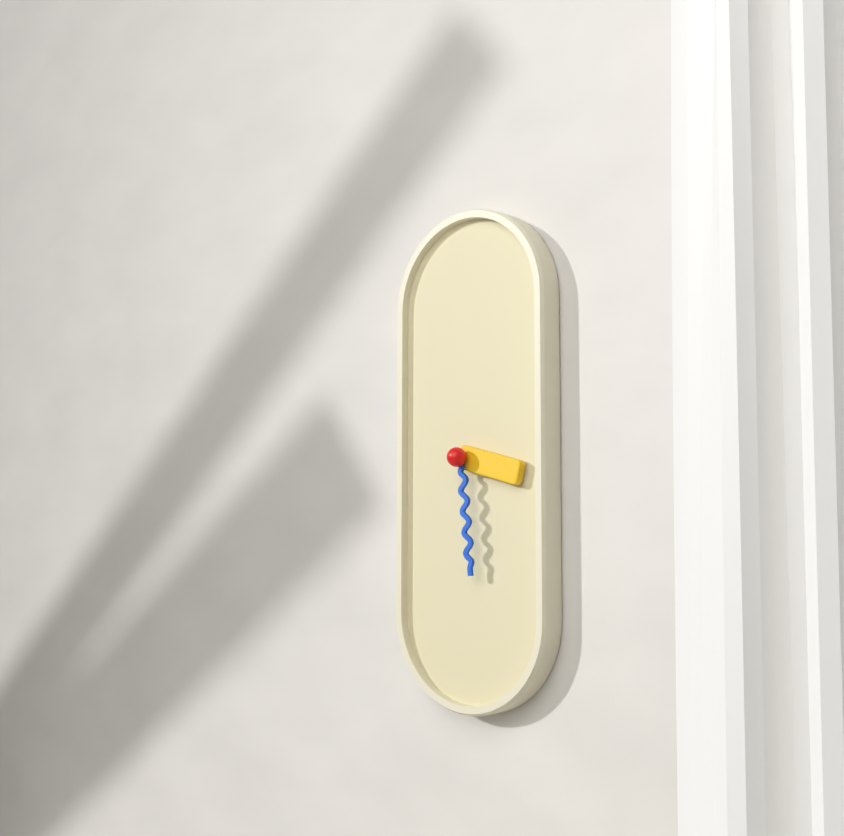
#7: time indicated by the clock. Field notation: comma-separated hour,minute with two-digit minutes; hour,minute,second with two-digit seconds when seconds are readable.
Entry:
3,29
